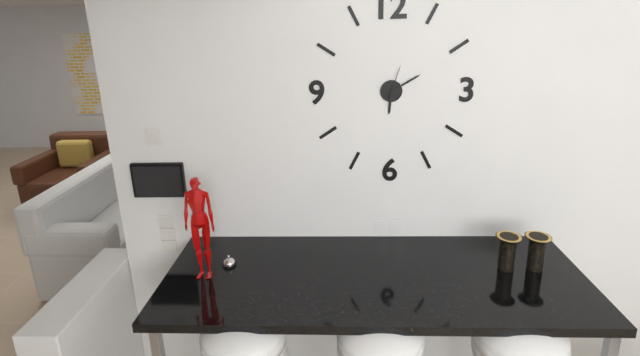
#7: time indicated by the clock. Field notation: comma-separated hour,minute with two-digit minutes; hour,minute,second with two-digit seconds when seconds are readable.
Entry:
6,10
